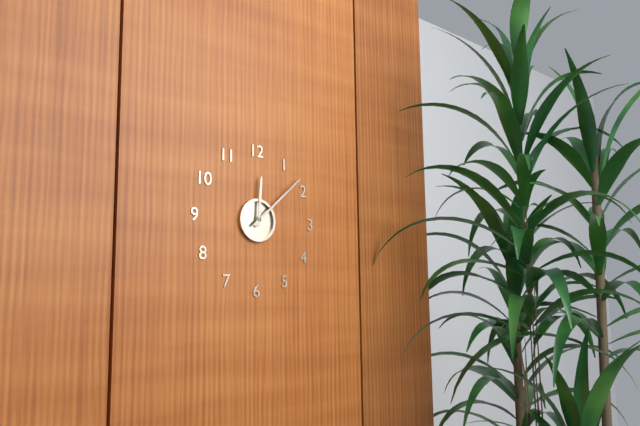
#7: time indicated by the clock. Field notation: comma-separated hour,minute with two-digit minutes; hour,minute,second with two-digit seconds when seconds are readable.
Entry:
12,08
